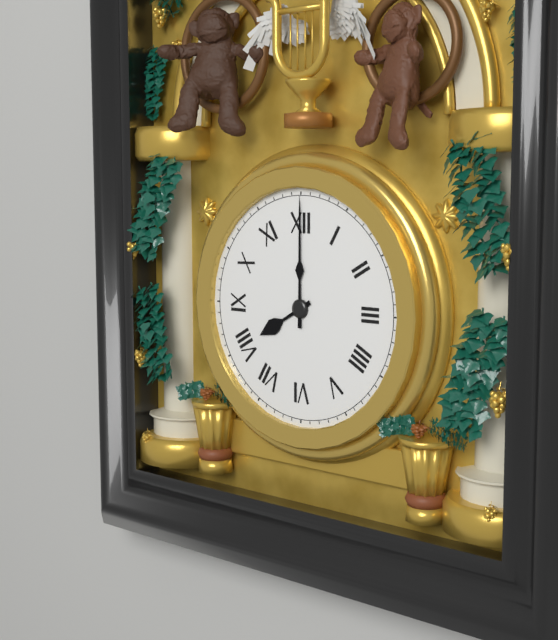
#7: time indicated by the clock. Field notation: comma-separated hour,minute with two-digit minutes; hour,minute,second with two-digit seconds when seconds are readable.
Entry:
8,00
